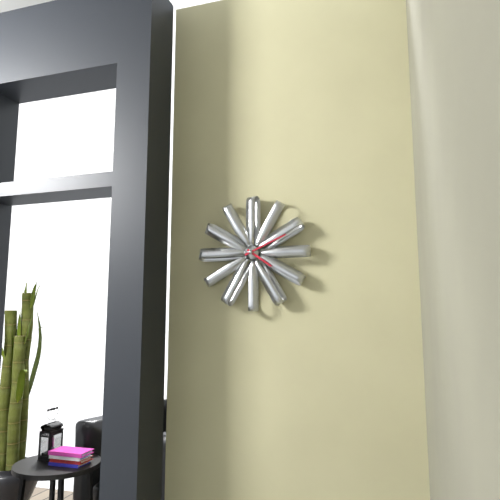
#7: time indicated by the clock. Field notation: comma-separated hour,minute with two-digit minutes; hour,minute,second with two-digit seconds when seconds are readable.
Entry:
4,11
